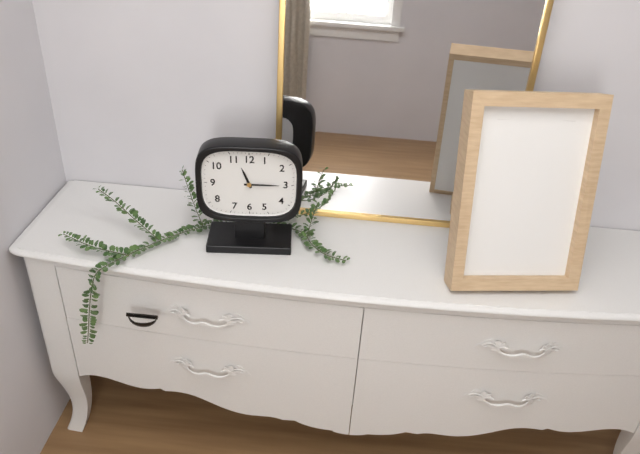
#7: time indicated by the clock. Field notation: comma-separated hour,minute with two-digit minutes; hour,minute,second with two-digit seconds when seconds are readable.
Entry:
11,15
